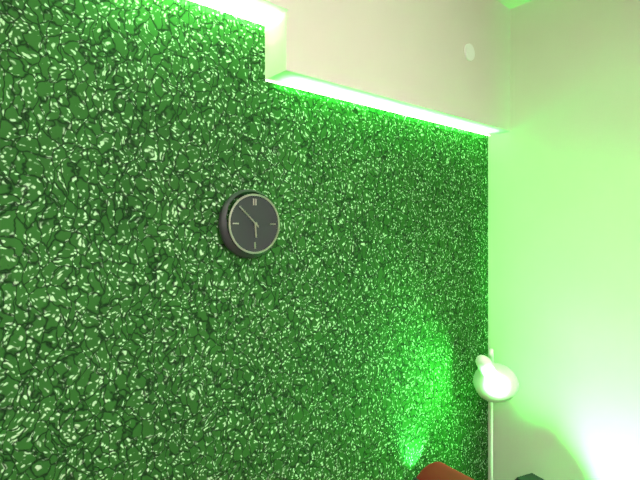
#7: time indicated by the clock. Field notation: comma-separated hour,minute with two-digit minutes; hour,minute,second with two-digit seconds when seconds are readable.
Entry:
5,52
